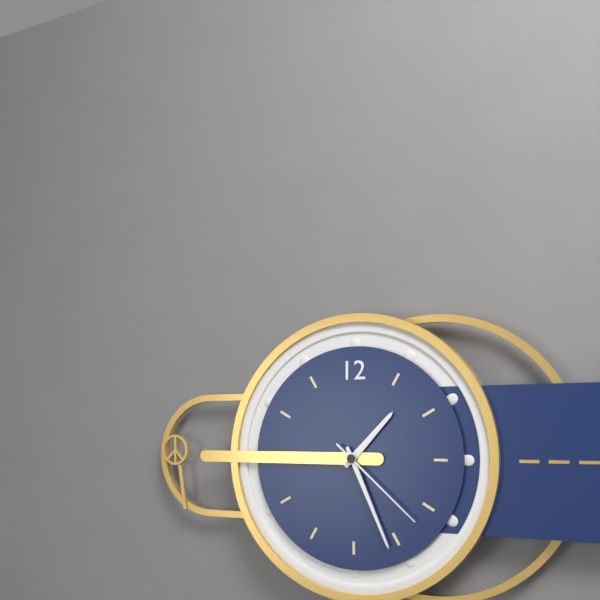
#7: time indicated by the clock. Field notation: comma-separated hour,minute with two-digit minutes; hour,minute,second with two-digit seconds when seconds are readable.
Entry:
1,26,22
